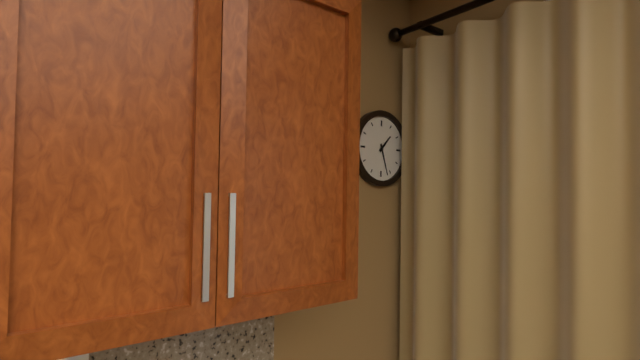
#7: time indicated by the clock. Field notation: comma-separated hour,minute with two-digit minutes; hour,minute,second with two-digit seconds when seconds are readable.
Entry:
1,27
